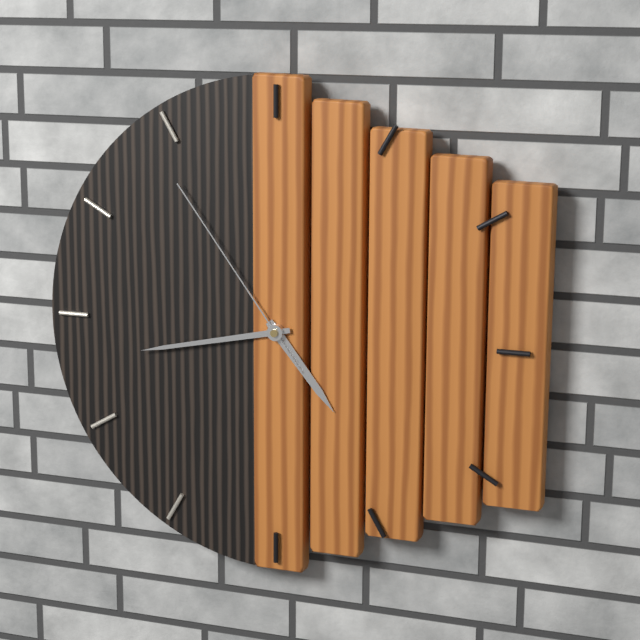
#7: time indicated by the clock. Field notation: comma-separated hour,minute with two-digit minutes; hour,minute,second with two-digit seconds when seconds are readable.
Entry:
4,43,54
